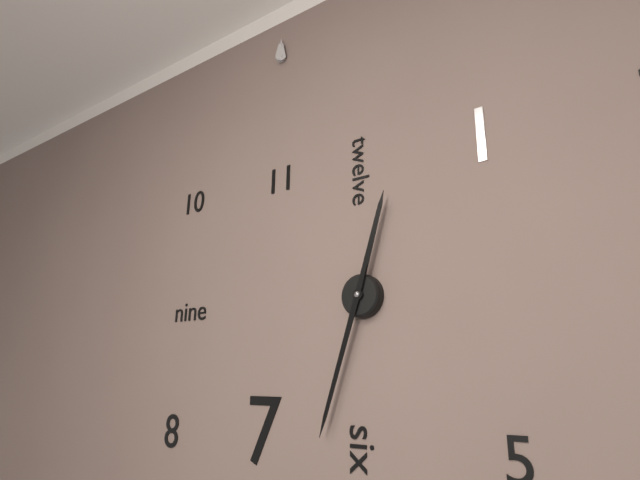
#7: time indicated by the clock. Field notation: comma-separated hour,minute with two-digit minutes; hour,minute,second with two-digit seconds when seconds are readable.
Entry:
12,33
